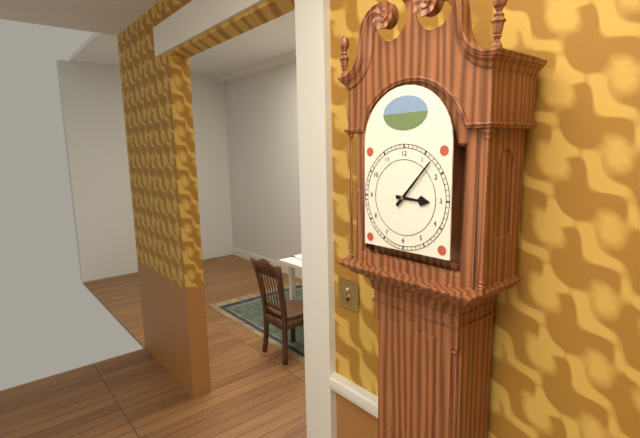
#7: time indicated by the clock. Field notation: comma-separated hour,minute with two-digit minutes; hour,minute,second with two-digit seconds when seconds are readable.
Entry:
3,07
